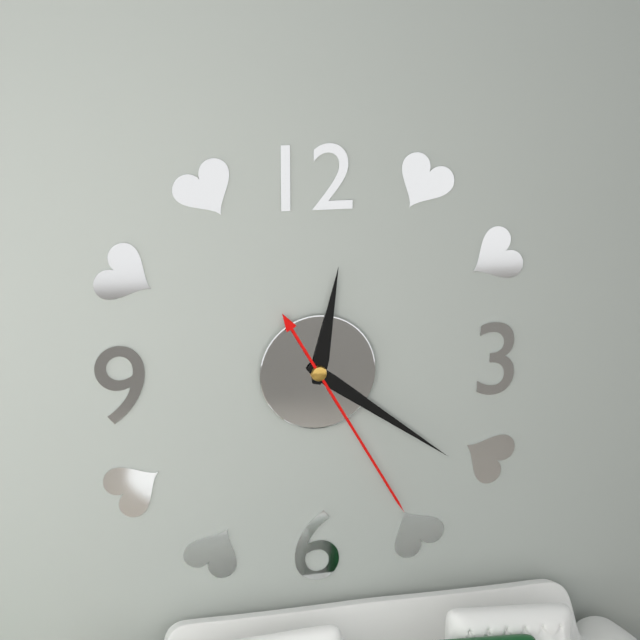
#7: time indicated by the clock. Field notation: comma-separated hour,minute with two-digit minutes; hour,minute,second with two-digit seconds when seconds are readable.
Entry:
12,21,25
